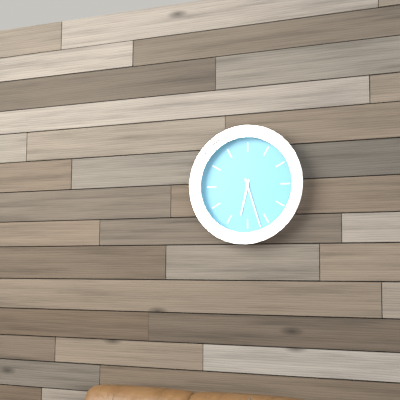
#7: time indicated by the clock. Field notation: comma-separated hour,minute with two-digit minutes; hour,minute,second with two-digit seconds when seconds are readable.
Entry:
6,27
